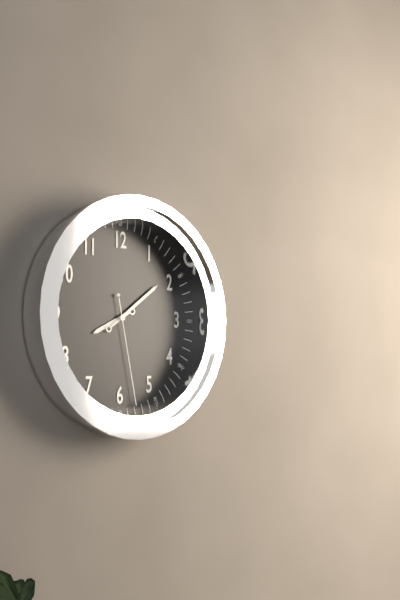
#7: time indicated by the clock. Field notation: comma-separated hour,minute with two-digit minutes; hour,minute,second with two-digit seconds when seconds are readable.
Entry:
8,09,28
